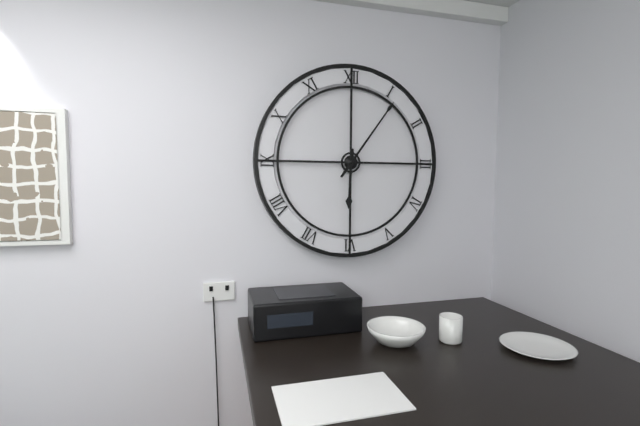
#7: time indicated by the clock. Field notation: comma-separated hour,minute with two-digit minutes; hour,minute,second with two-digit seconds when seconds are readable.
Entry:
6,06
